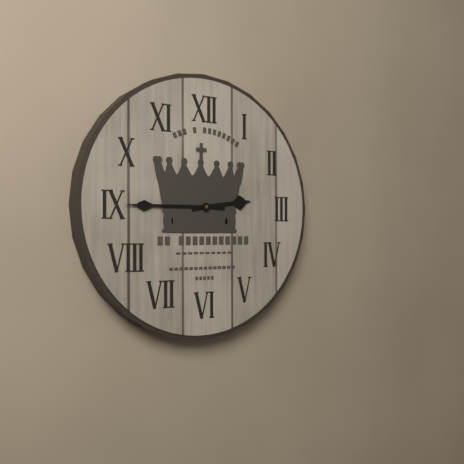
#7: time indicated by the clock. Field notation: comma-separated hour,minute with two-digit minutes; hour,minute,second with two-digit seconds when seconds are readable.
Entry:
2,45
